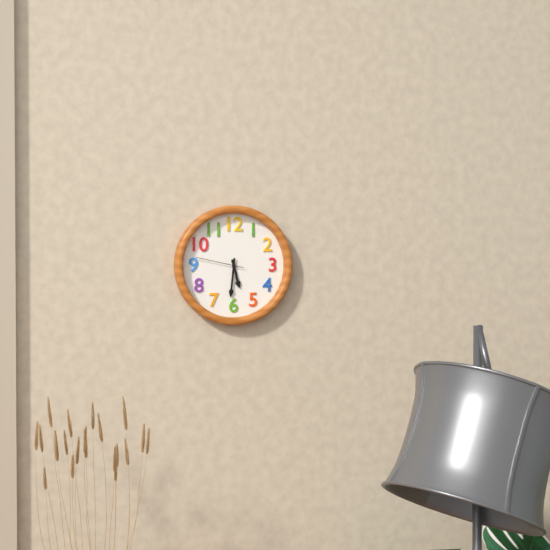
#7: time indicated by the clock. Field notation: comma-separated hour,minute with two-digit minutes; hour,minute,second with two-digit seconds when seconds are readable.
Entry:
5,31
